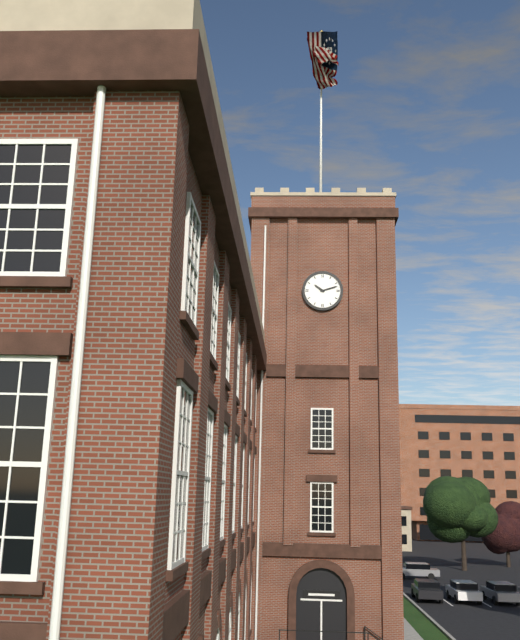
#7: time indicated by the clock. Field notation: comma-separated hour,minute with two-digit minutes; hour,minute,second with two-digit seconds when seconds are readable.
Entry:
10,12
